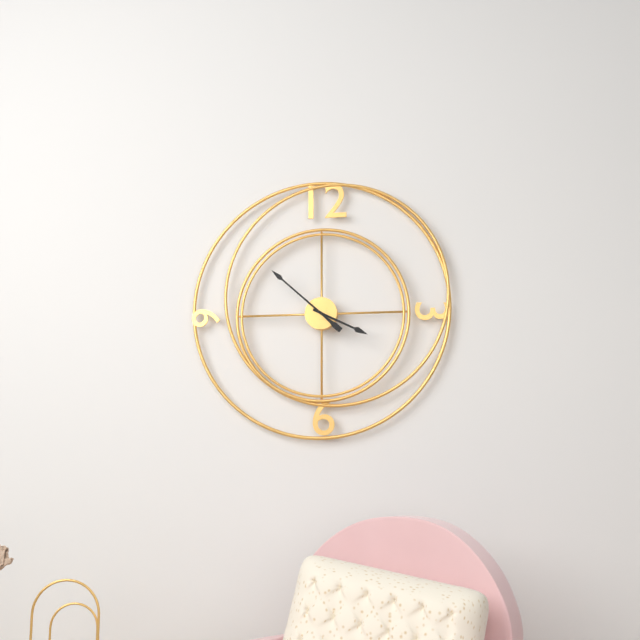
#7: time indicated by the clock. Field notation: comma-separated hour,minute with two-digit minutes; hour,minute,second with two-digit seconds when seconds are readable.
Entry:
3,52
